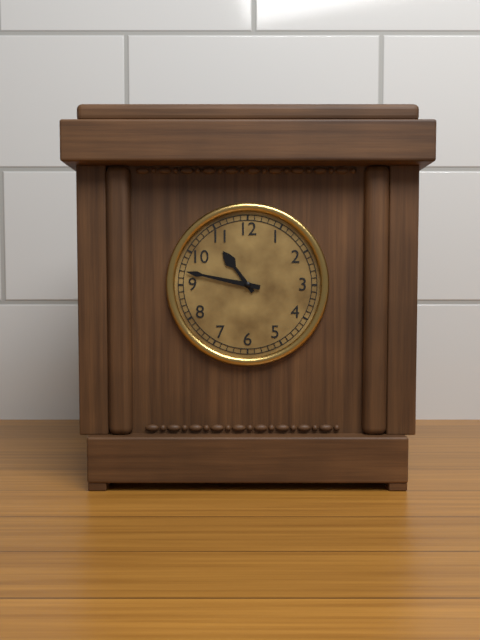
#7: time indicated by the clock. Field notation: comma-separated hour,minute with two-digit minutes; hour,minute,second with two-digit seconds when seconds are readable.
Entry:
10,47
